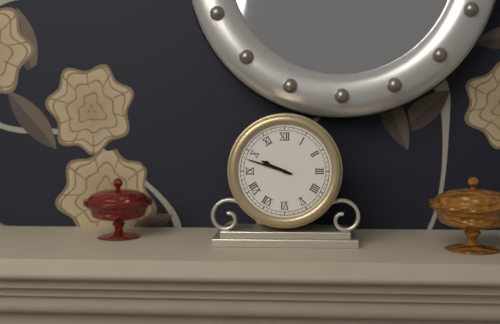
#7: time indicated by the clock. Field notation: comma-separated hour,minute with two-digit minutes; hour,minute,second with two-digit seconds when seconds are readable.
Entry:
9,48
